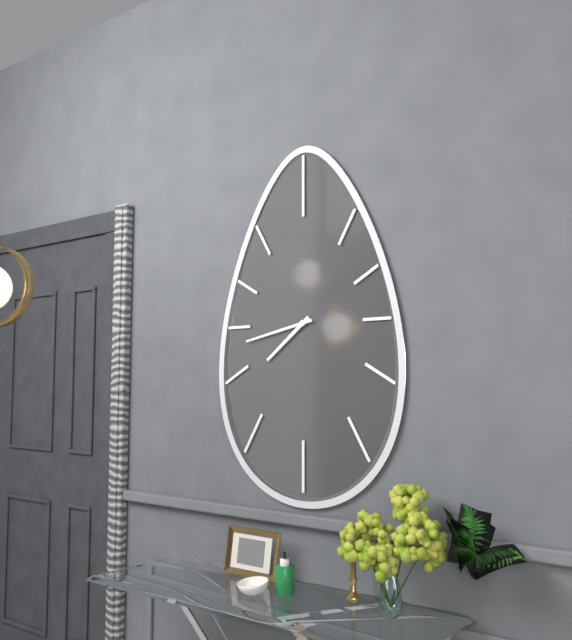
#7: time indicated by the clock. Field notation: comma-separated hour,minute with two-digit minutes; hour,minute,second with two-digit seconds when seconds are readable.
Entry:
7,43
